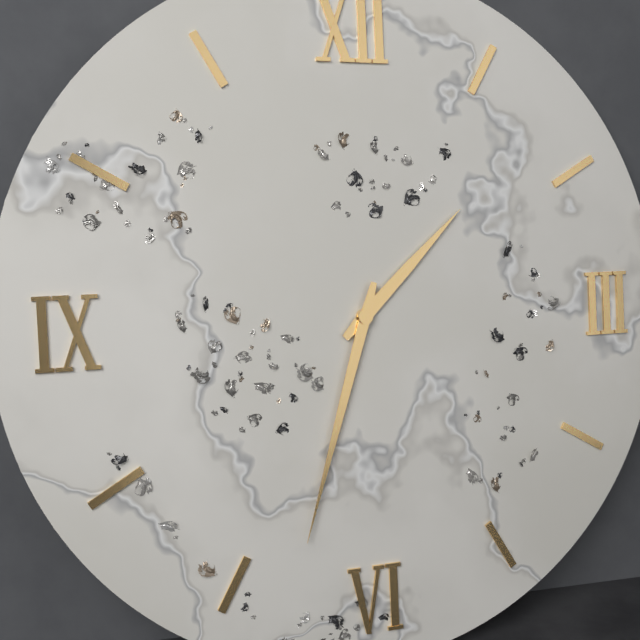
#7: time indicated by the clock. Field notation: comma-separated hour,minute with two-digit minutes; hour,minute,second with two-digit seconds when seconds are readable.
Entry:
1,33
